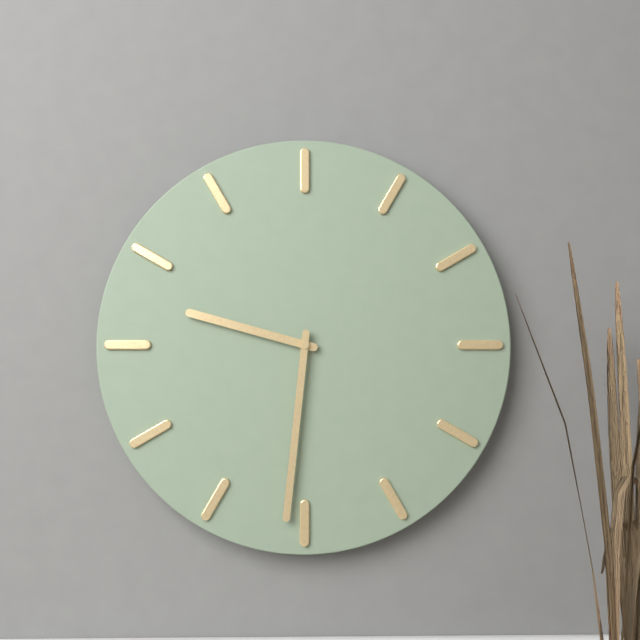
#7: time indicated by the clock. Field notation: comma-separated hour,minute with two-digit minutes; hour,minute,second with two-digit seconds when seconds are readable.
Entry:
9,31
